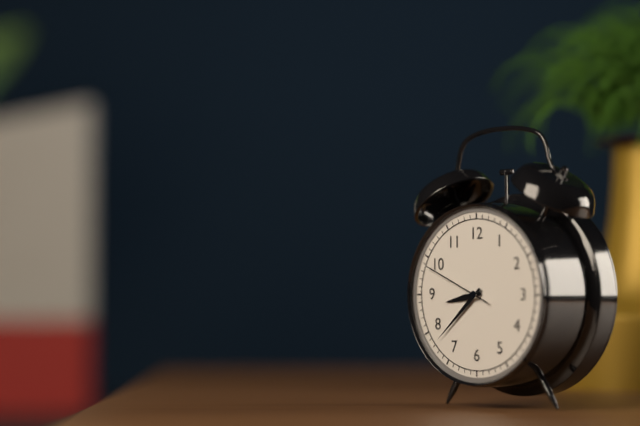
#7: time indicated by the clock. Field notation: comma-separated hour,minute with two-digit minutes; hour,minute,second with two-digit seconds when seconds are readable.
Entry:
8,38,49
